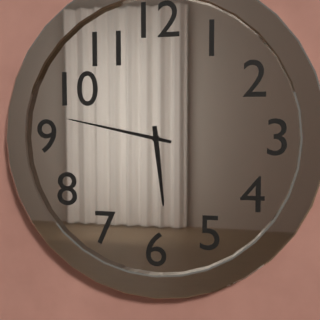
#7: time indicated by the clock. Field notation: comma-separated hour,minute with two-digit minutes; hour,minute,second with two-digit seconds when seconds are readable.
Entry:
5,47
